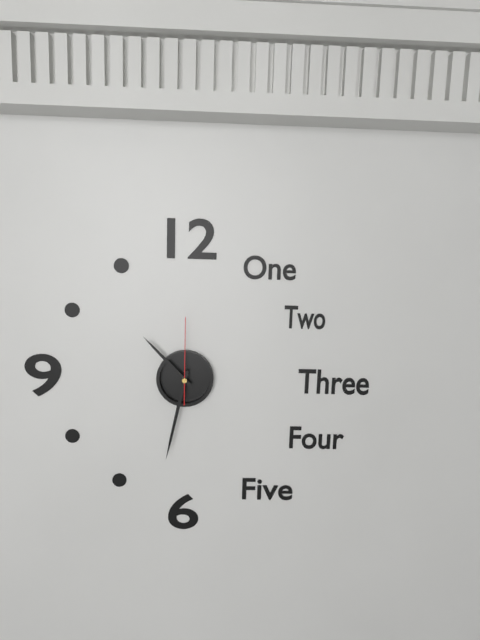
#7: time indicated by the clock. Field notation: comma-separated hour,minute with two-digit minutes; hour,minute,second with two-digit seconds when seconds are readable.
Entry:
10,32,00
